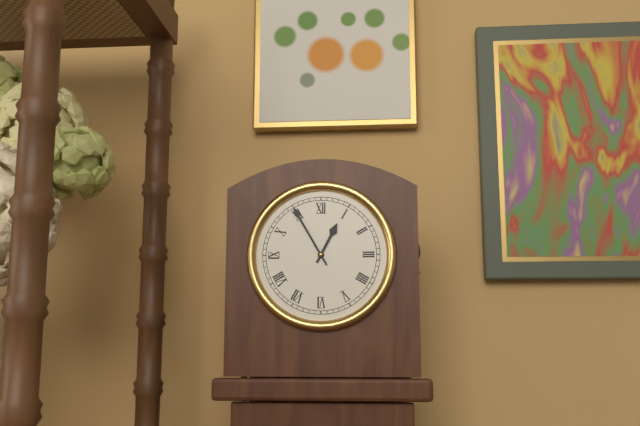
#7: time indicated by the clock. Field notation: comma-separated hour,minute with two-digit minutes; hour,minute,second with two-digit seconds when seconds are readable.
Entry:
12,55
